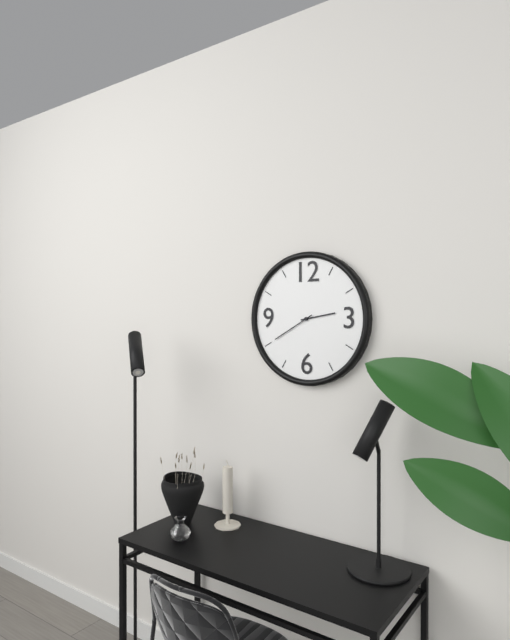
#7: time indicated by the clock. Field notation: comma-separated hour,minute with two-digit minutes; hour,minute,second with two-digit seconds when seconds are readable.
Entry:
2,40
